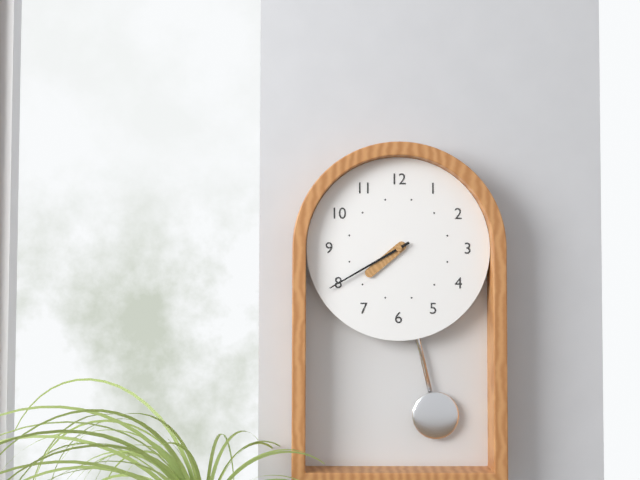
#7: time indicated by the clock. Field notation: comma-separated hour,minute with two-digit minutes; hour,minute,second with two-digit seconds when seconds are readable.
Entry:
7,40
